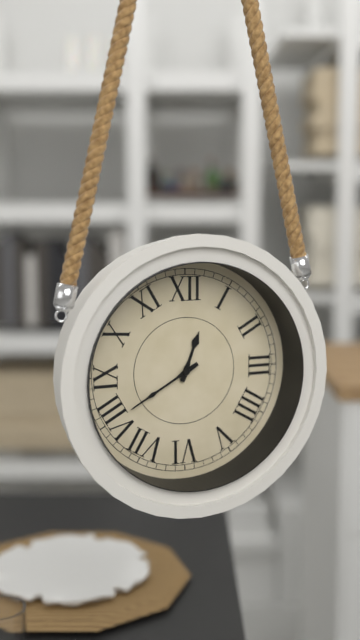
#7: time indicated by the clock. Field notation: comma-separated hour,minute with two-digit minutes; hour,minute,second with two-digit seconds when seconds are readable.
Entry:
12,40
